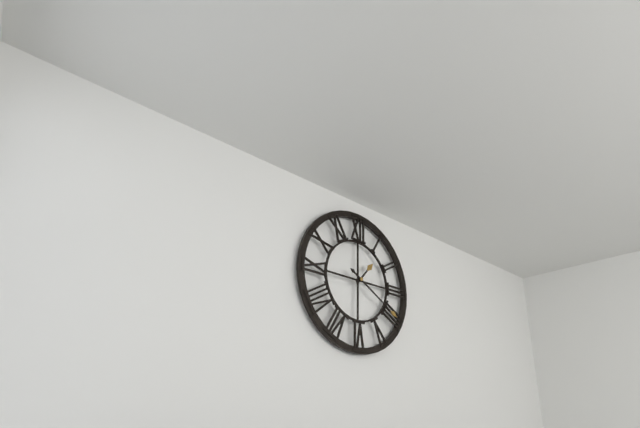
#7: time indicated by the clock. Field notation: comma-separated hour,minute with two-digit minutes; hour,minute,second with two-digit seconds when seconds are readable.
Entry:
1,20
